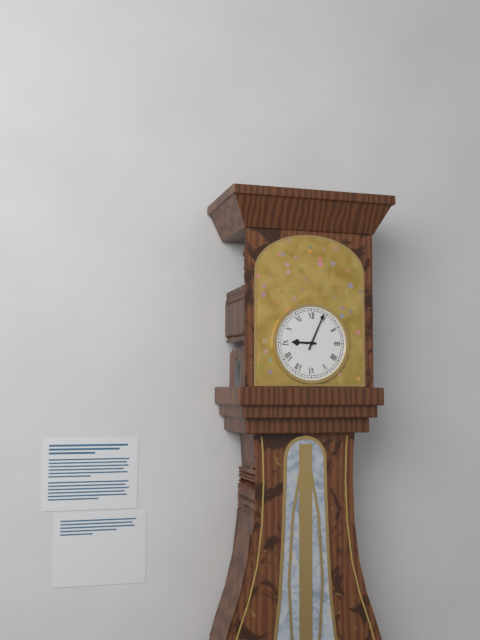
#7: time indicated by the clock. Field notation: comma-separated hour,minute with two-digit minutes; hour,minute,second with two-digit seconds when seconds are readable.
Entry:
9,04
